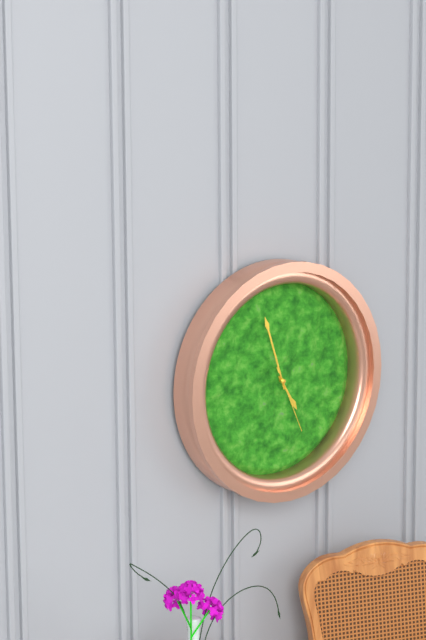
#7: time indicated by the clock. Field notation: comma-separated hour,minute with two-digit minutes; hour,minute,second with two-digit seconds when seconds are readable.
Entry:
4,57,26
